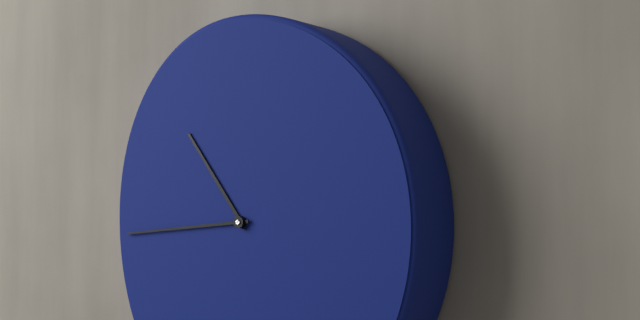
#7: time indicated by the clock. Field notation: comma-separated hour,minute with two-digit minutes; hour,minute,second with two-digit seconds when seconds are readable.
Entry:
10,44
